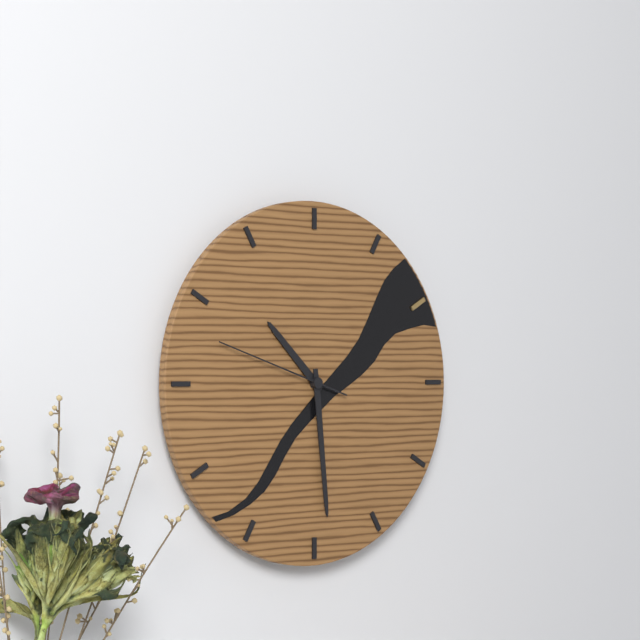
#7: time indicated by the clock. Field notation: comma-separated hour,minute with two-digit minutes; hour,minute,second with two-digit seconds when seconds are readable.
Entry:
10,29,48
